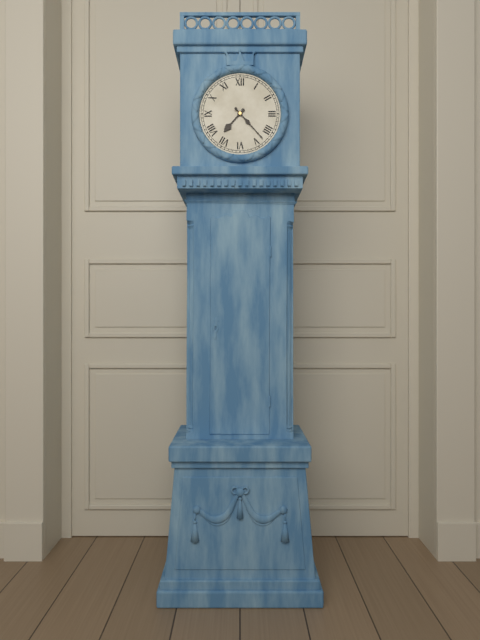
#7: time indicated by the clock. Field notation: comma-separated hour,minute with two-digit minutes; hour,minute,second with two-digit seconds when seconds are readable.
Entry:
7,23
